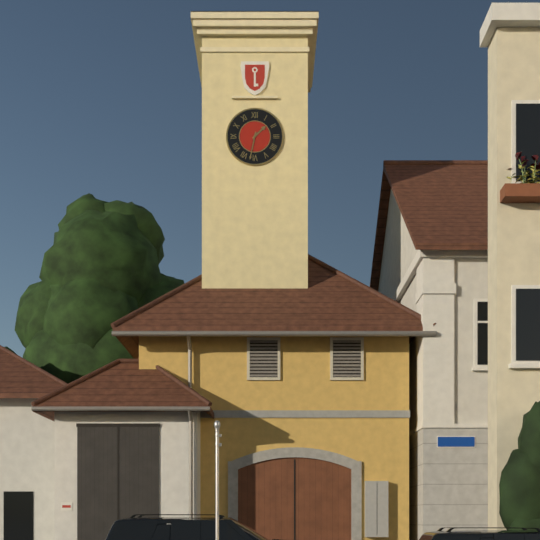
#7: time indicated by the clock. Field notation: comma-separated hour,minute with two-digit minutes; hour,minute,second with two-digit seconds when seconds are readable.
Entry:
1,32
